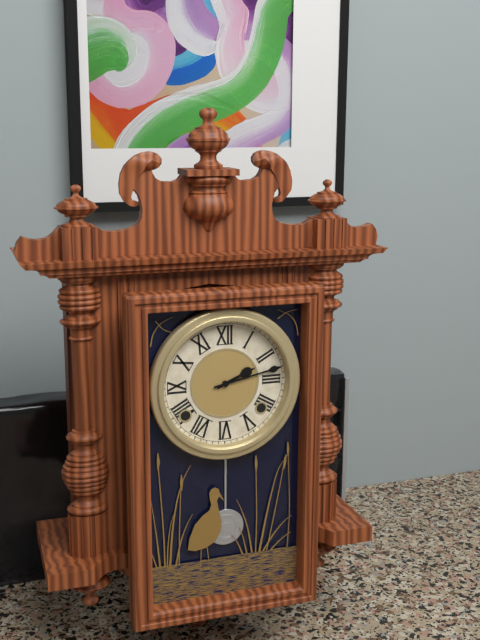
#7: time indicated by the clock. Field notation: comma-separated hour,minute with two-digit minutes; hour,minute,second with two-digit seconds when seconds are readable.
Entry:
2,13
